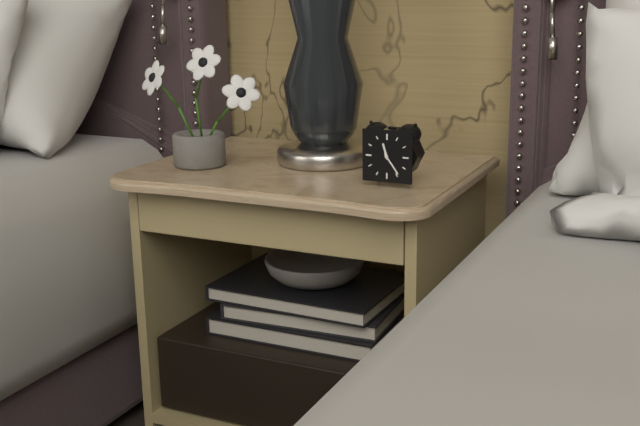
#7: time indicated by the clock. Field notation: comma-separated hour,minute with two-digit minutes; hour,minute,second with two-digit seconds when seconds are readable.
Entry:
11,24
